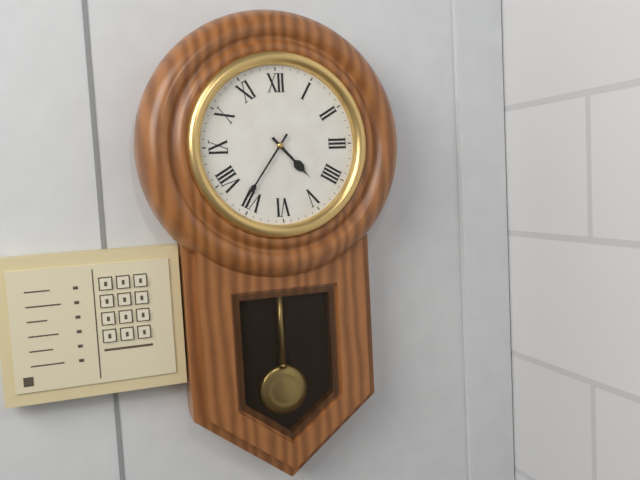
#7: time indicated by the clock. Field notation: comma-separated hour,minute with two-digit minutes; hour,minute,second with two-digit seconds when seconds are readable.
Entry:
4,36
